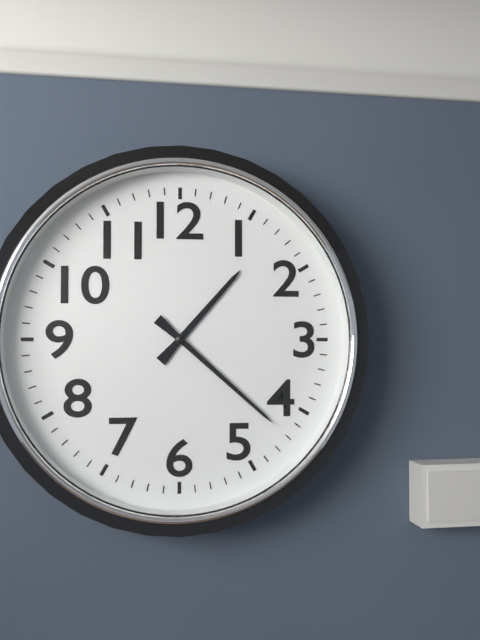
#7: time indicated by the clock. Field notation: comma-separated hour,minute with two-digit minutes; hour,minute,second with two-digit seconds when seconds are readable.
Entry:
1,22
